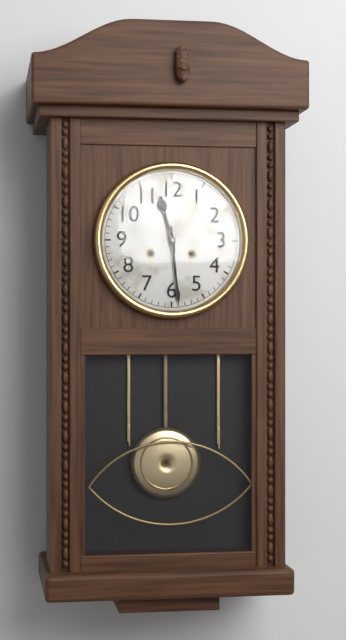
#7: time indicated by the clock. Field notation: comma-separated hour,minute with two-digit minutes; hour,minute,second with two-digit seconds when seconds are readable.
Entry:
11,29
